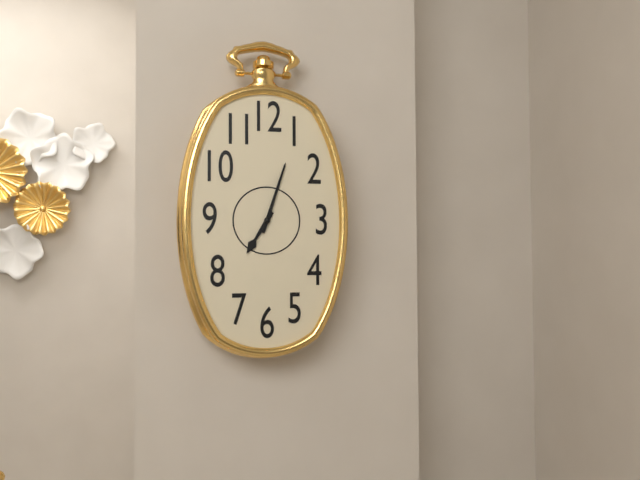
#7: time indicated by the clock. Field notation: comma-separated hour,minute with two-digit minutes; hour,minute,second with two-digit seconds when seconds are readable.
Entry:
7,03
